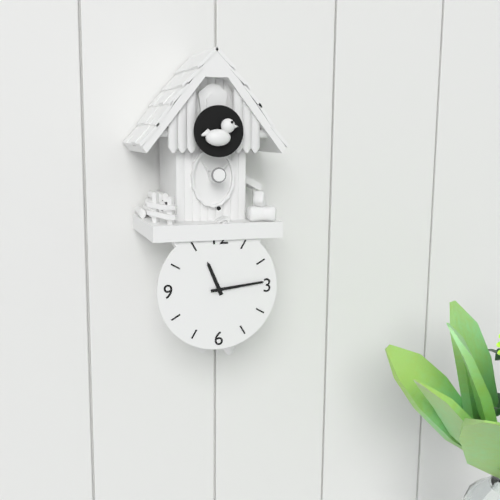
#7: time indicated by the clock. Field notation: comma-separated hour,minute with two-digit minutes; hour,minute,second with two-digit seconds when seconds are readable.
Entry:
11,14
